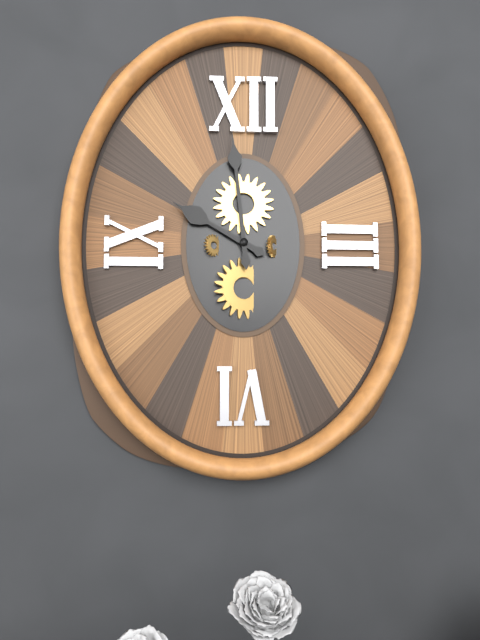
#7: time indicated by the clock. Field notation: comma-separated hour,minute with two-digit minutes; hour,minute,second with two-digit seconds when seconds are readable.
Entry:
9,59
